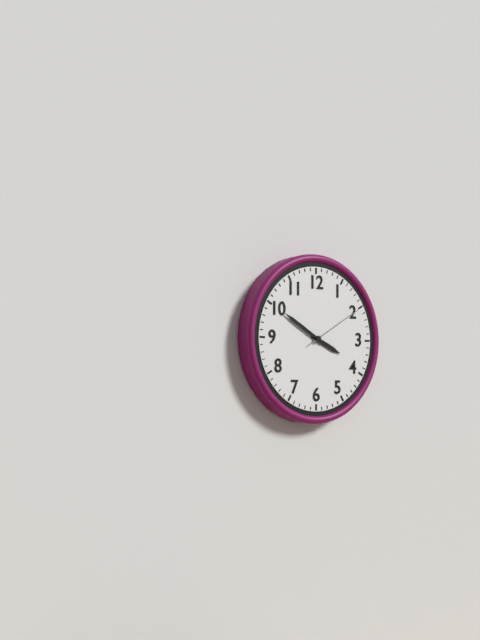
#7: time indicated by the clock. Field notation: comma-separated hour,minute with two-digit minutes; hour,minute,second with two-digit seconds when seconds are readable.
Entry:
3,50,10
